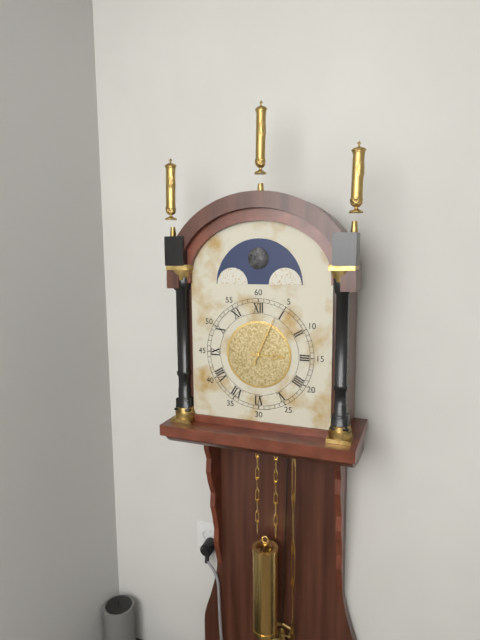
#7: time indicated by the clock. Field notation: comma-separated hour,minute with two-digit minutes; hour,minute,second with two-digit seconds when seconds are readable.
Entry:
3,04
